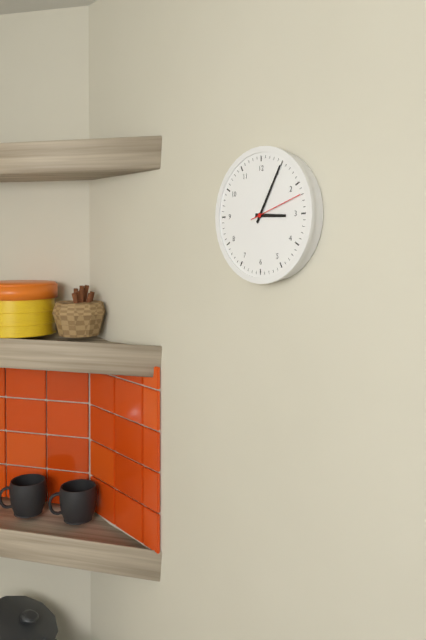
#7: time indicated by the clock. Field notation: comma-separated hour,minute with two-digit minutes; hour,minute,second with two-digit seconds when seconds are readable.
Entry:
3,05,12
